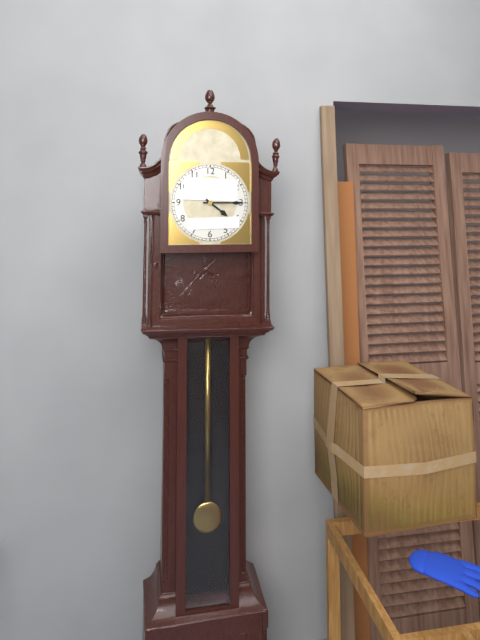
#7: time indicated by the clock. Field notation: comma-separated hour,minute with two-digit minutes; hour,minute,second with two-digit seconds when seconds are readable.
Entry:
4,15
